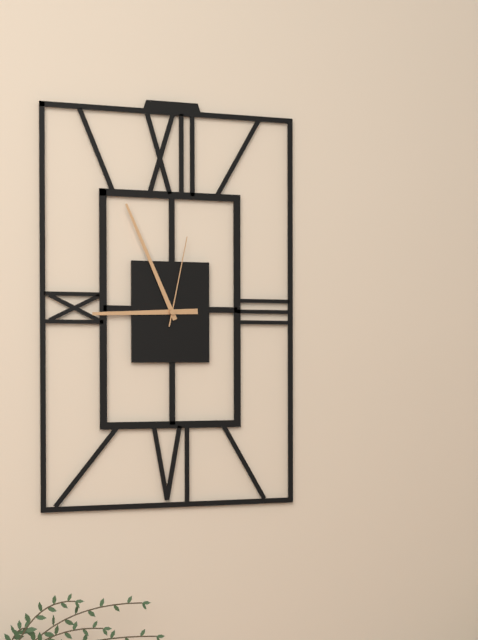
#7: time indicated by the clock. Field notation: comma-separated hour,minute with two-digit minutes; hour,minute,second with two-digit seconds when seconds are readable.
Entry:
8,56,02
